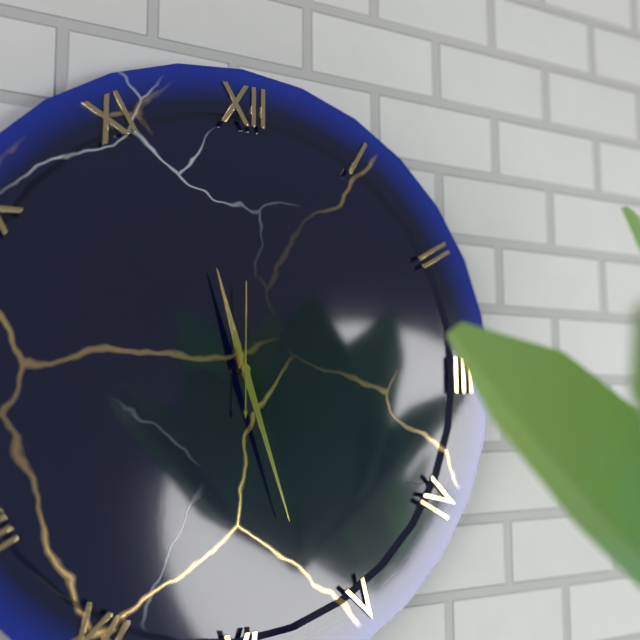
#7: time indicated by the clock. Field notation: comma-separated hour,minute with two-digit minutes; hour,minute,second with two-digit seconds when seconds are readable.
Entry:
11,27,00
